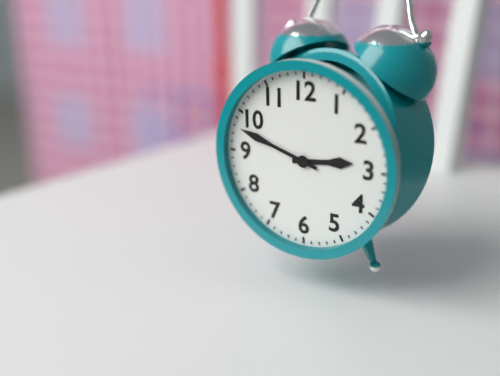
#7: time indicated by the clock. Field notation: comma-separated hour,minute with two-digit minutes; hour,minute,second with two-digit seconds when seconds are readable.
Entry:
2,48
